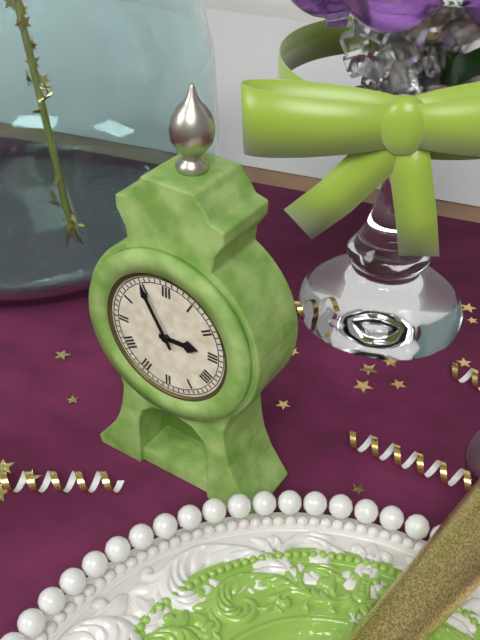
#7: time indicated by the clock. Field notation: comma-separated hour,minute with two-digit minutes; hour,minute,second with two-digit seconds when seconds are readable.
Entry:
2,55
